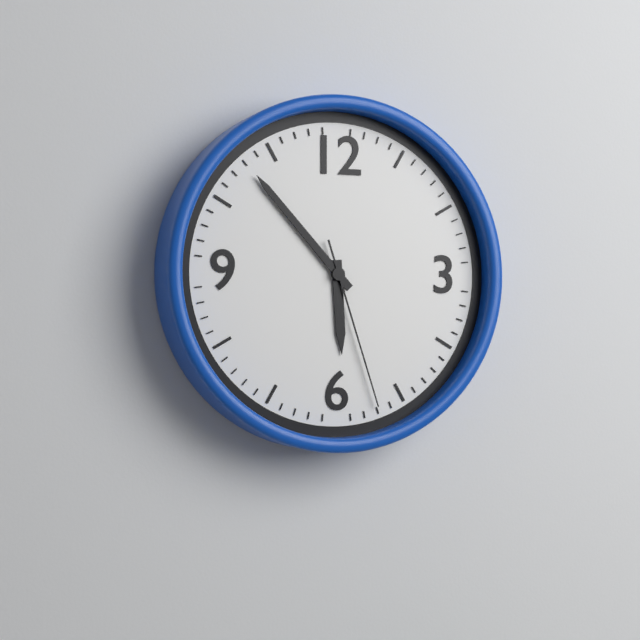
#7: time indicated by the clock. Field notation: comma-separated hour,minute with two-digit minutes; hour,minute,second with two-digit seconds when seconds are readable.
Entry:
5,53,27
